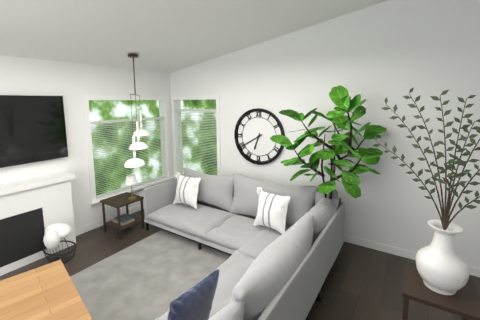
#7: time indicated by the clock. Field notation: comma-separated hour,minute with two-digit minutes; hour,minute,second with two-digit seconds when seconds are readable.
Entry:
6,40
